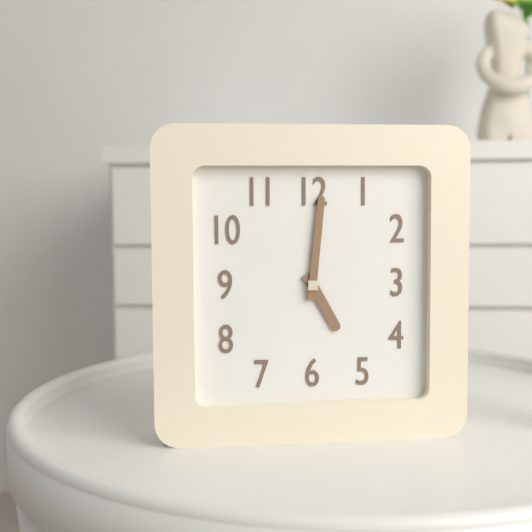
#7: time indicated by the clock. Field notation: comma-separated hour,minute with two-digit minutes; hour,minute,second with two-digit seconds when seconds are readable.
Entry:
5,01
